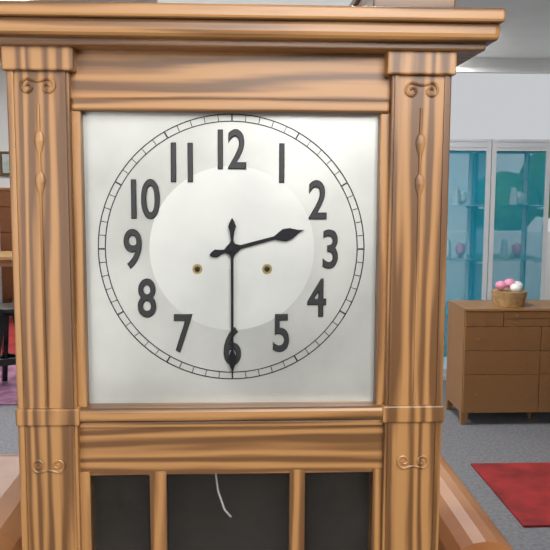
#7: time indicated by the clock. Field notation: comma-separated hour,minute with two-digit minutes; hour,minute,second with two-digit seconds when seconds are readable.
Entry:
2,30
